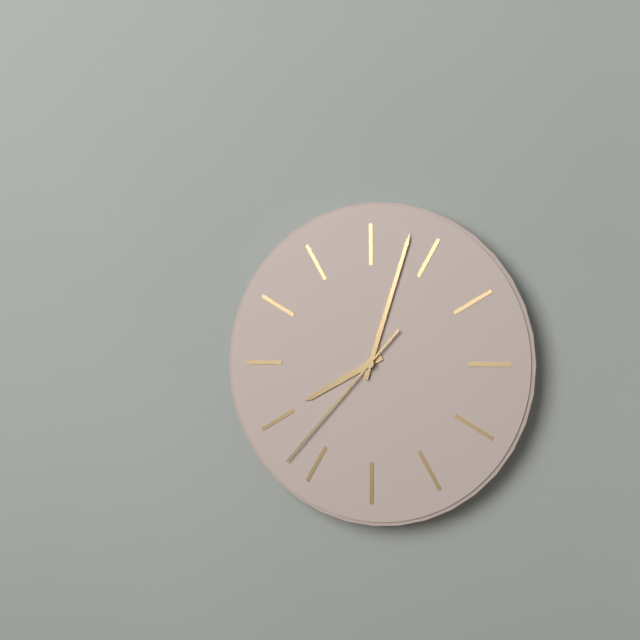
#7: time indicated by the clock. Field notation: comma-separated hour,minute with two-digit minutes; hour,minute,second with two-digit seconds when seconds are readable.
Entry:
8,03,37
